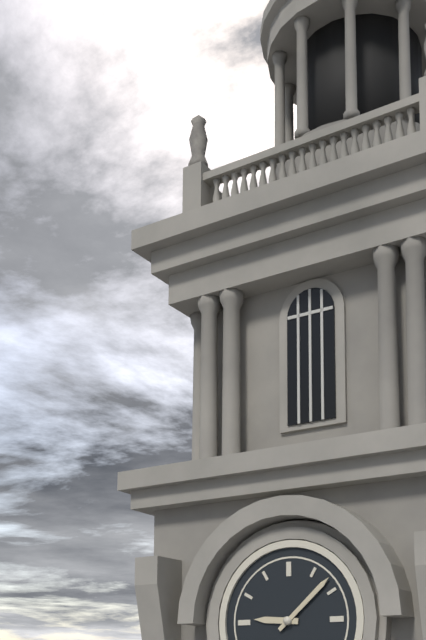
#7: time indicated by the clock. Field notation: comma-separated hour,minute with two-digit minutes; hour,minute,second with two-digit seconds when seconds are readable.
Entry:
9,08
